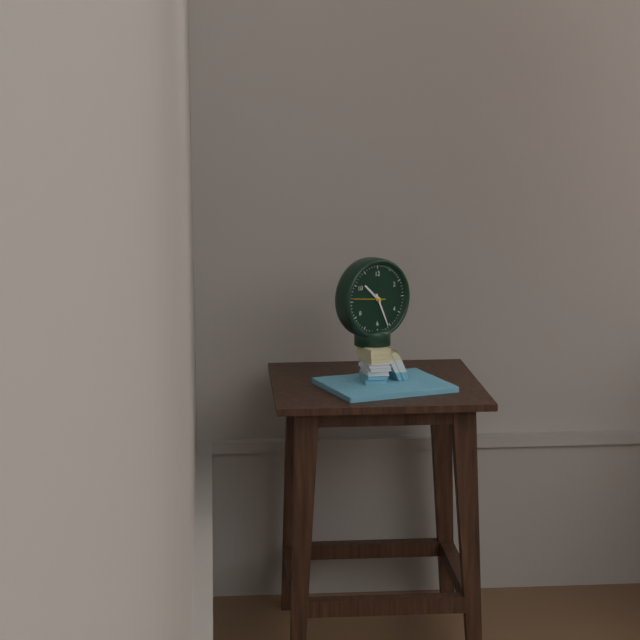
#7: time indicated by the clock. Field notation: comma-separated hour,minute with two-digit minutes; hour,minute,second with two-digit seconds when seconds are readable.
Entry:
10,26
